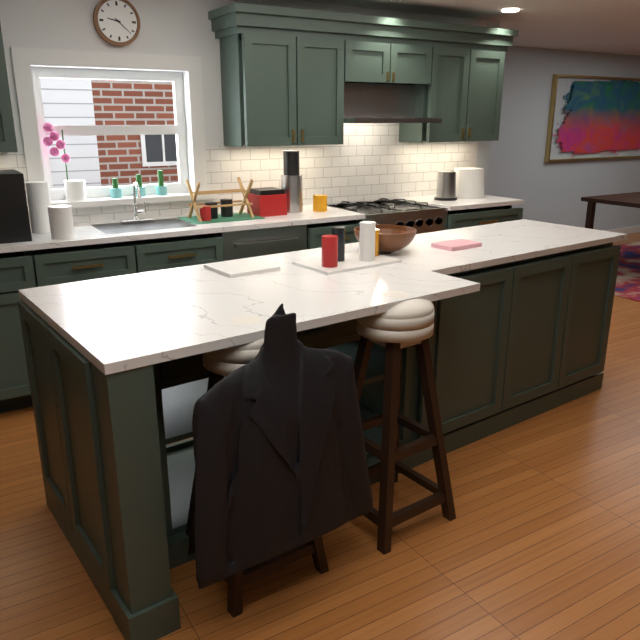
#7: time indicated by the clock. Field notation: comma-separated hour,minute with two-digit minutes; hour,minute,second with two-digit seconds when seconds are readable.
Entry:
9,22
